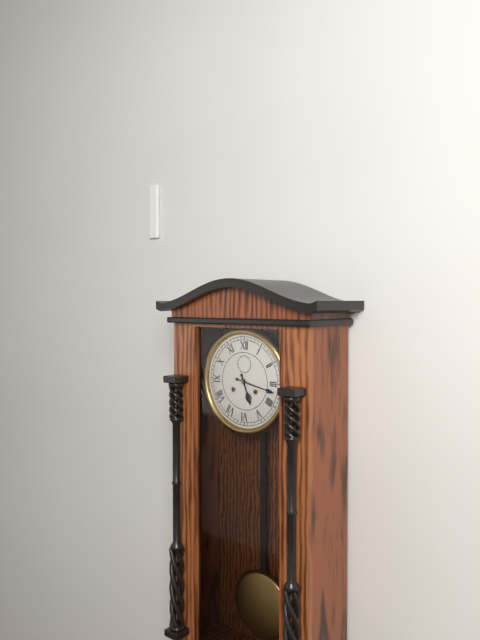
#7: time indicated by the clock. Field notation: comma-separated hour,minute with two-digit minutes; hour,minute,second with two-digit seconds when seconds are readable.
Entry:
5,17
